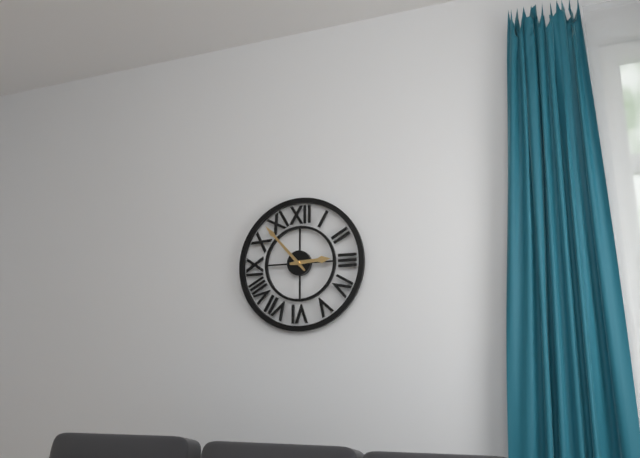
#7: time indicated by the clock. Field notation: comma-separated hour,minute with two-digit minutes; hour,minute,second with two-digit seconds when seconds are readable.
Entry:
2,53
